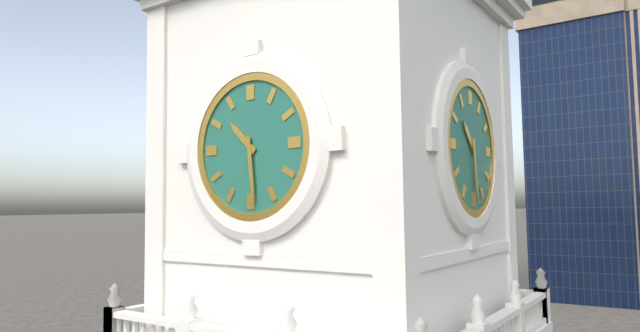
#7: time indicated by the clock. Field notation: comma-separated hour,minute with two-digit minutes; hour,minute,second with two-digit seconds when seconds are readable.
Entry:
10,29
